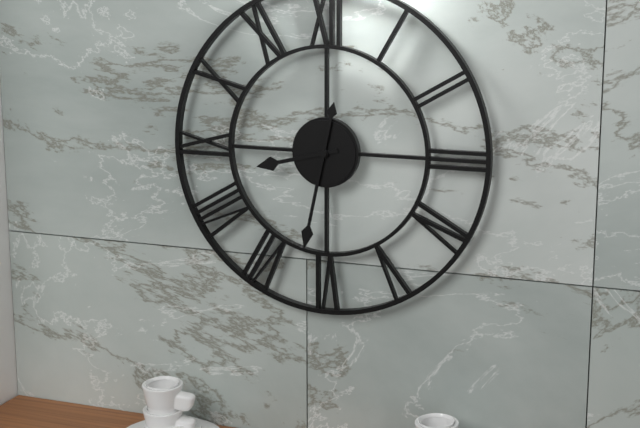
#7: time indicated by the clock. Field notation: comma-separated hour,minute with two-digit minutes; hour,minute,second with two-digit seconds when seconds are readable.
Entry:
8,32
